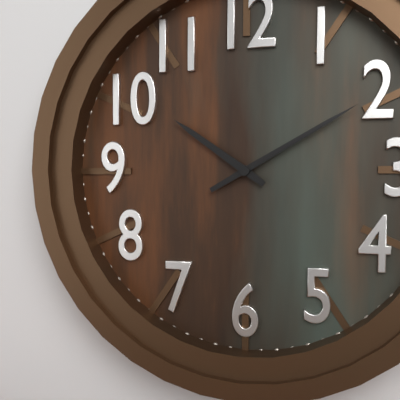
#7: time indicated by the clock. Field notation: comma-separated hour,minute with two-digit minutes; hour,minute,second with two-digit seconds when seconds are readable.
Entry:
10,10
